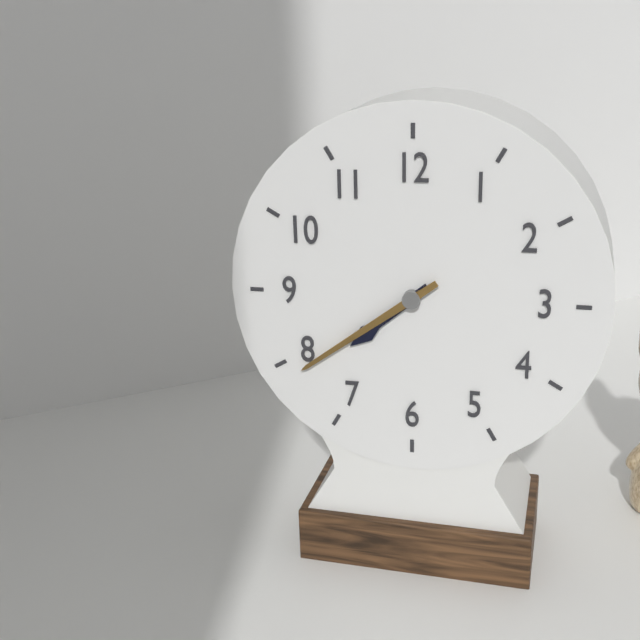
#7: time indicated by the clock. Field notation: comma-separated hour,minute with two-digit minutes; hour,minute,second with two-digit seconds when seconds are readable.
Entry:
7,39
